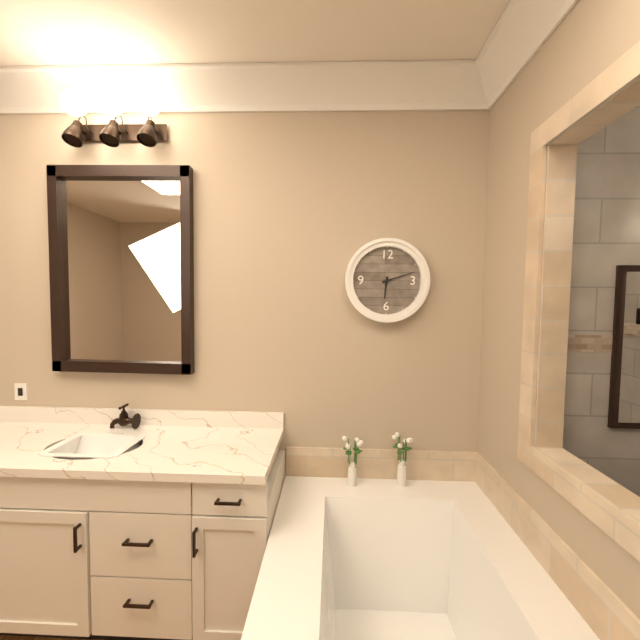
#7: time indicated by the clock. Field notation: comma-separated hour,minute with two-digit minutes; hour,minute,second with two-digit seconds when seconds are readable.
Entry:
6,12
